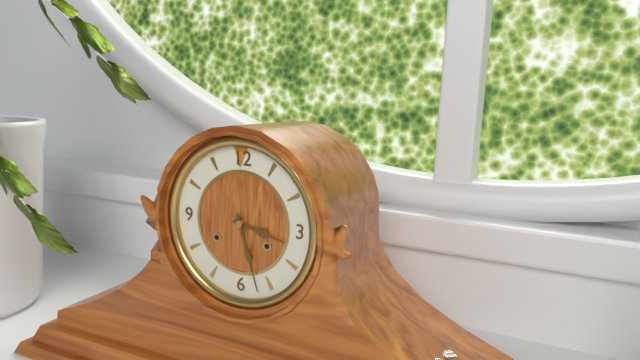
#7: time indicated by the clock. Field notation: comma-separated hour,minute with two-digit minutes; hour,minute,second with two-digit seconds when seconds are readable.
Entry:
3,27
